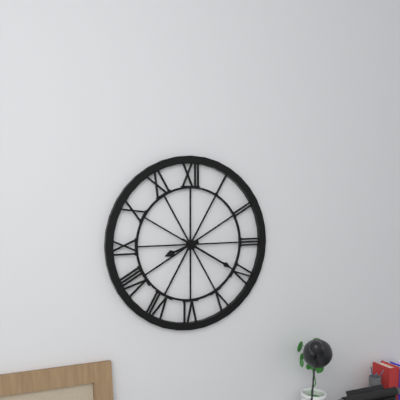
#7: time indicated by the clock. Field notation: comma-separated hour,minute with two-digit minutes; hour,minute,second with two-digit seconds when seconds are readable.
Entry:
8,20
